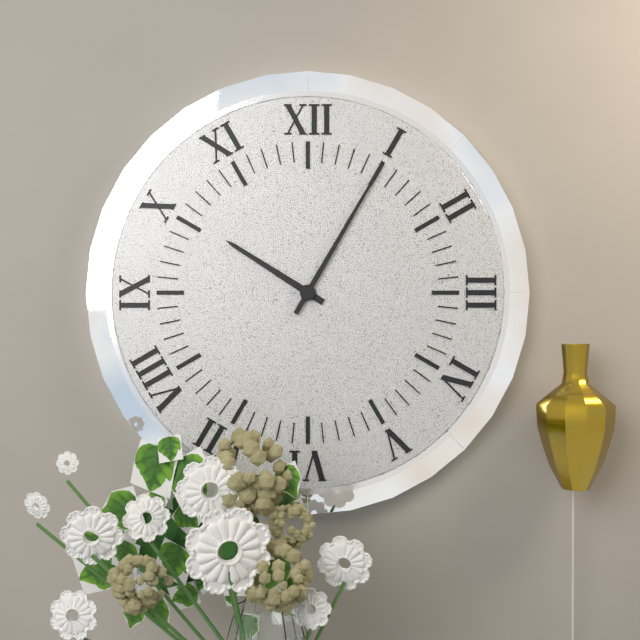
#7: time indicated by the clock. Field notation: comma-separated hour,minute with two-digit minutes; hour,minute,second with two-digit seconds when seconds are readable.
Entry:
10,05
